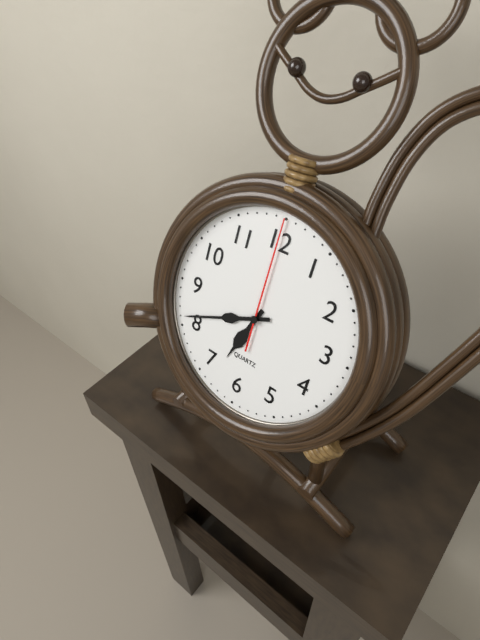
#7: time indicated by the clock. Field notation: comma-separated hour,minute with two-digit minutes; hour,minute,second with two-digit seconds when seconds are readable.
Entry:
6,41,00
